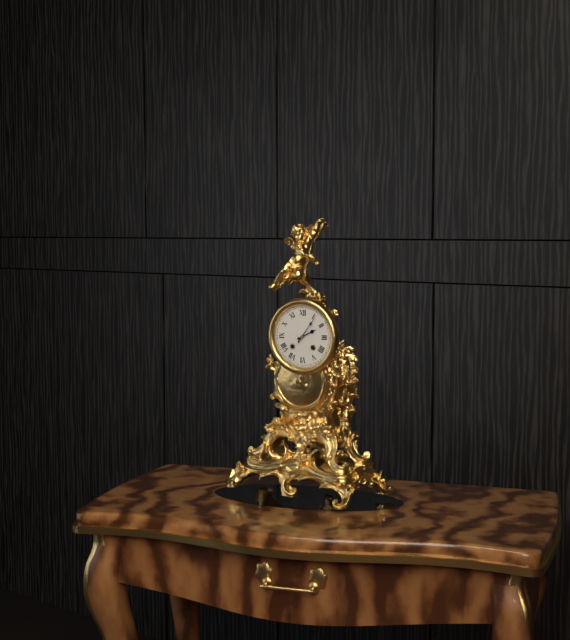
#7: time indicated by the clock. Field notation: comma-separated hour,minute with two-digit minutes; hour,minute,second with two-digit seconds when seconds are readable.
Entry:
2,06
